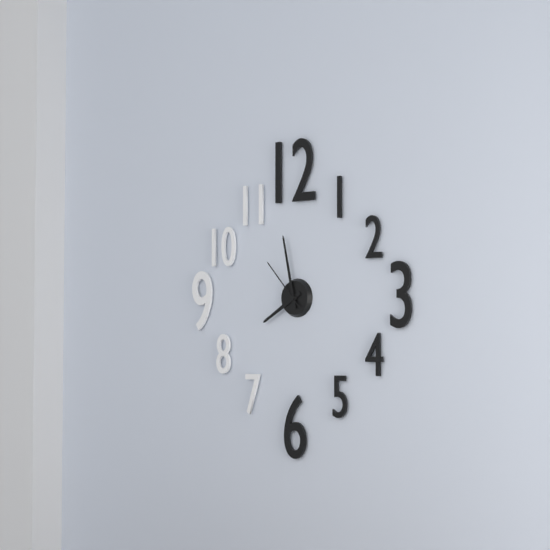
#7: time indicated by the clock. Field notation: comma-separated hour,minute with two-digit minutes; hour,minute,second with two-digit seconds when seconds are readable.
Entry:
7,58,53
